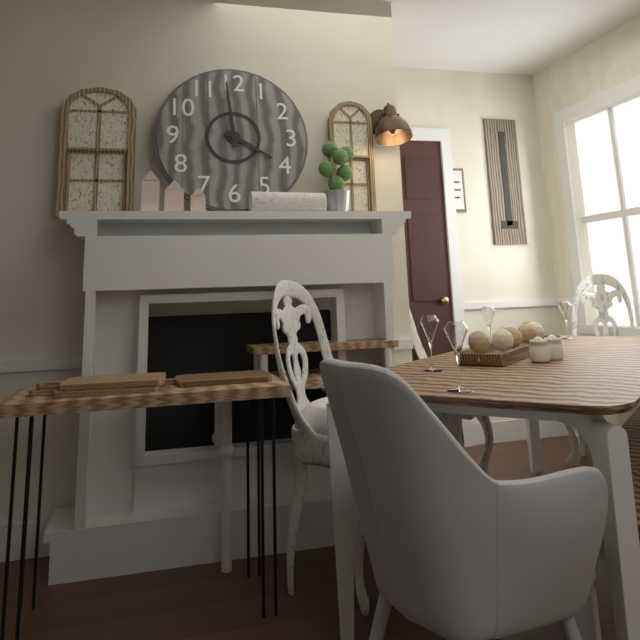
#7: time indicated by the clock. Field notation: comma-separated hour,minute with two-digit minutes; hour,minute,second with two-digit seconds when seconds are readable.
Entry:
3,59
